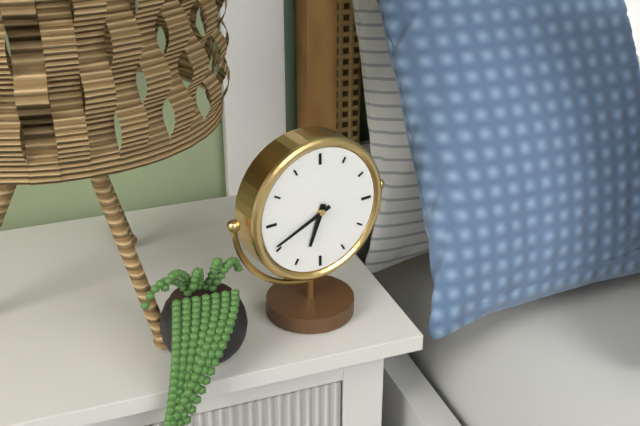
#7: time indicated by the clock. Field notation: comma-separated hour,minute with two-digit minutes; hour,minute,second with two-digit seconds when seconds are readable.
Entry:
6,41
